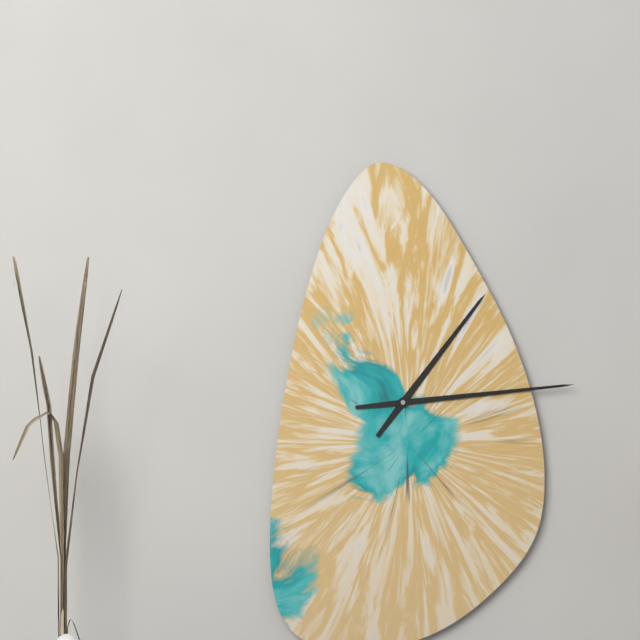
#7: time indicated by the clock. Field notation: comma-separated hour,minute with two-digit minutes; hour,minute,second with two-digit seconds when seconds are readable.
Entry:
1,14
